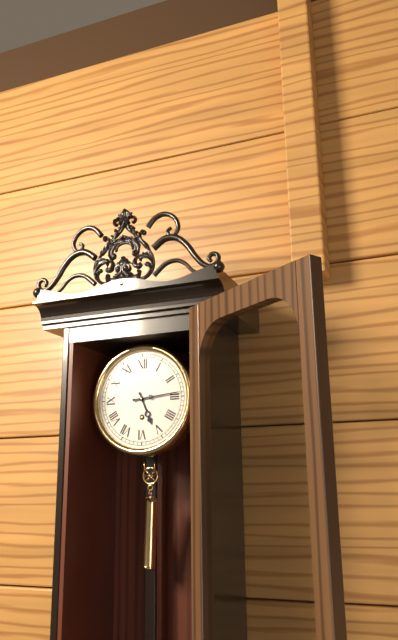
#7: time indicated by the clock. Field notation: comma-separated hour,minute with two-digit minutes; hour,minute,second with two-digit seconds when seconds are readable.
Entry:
5,14
